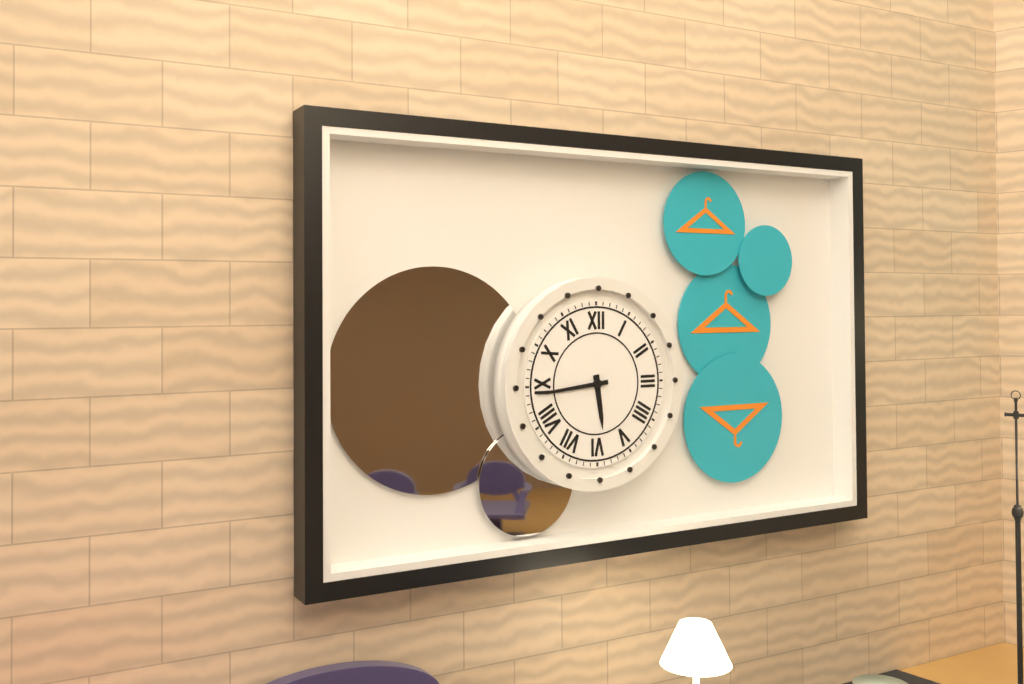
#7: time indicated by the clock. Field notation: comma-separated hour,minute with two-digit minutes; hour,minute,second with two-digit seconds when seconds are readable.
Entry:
5,44
